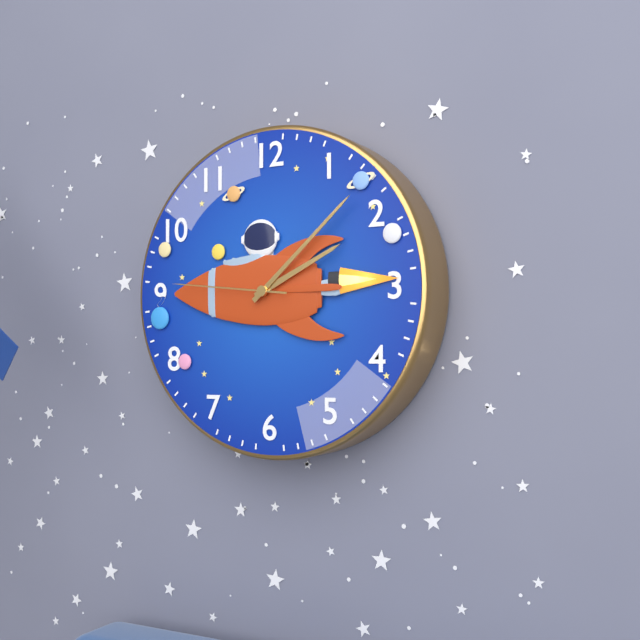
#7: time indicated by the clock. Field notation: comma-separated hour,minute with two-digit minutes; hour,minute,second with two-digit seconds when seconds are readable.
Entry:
2,08,46
